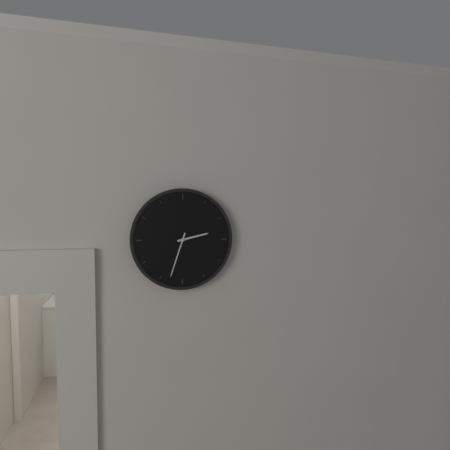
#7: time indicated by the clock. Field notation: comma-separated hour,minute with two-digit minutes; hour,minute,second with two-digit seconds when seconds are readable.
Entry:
2,33
